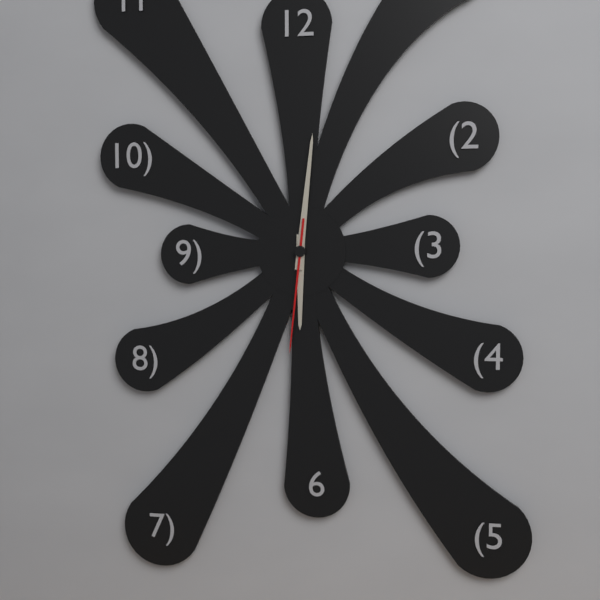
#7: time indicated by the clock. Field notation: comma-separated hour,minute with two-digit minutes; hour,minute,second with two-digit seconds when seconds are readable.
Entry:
6,01,31
